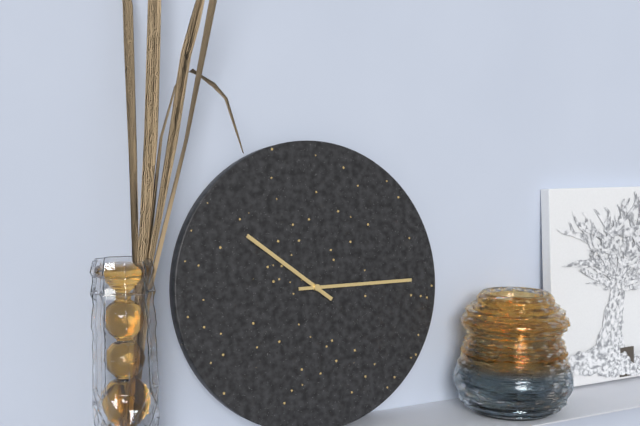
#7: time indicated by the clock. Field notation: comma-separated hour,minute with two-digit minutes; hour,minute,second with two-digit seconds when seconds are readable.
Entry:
10,15
